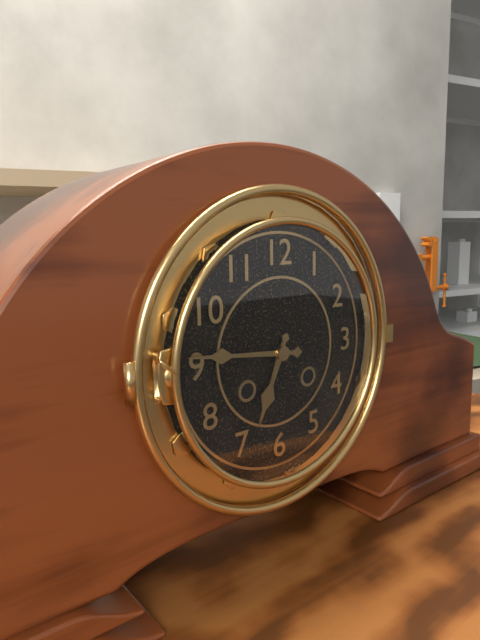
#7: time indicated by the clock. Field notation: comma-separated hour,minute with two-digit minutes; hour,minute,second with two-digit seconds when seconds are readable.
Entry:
6,46
